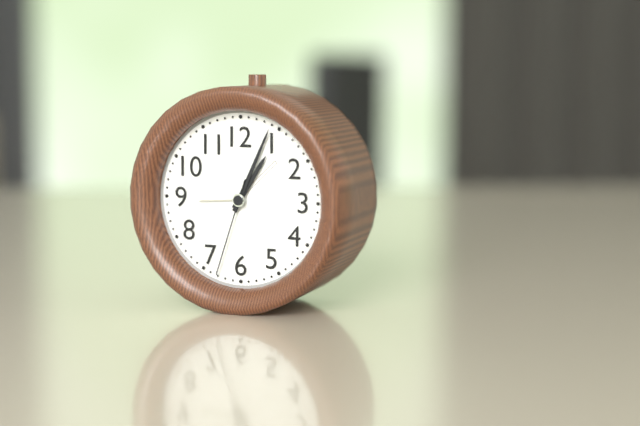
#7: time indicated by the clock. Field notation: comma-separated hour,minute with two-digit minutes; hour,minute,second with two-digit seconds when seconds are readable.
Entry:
1,04,33
